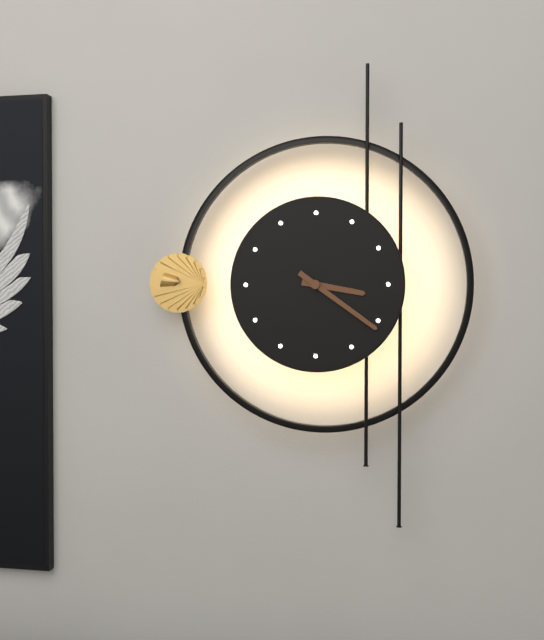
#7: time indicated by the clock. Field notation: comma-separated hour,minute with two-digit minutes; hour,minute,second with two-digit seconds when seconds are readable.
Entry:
3,21
